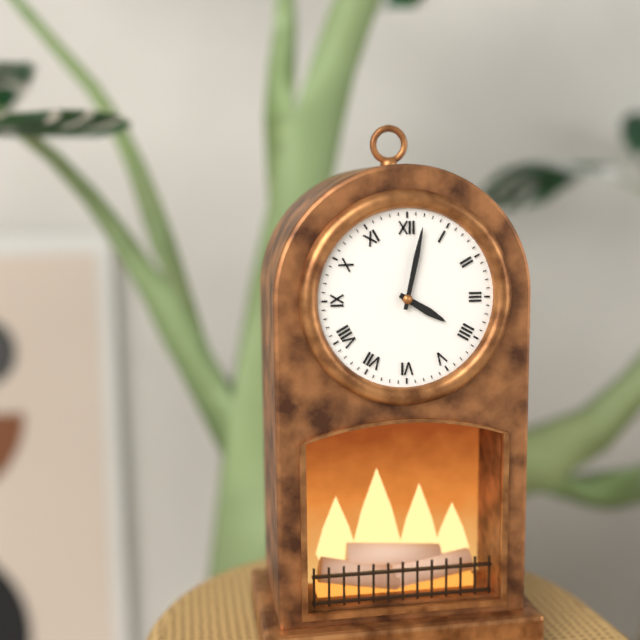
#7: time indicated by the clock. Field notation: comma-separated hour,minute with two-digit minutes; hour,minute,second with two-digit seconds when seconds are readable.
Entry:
4,02
